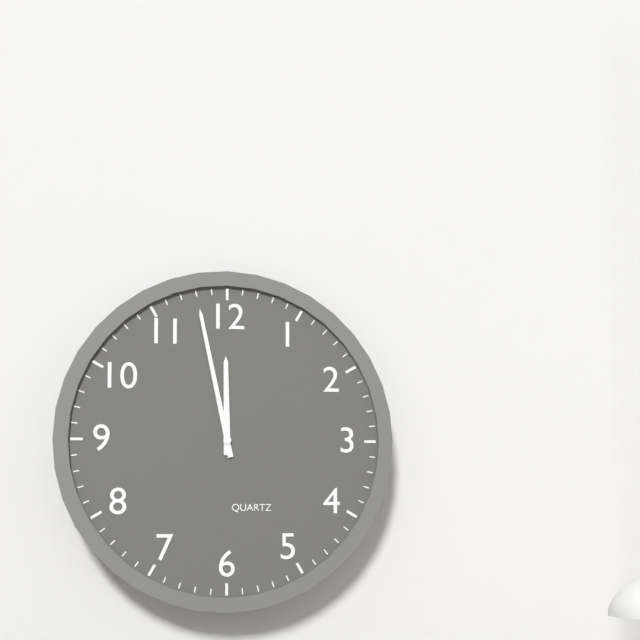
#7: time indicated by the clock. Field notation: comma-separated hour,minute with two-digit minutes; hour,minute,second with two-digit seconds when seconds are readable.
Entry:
11,58
